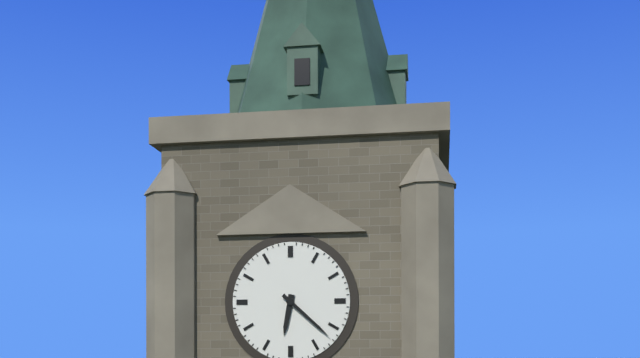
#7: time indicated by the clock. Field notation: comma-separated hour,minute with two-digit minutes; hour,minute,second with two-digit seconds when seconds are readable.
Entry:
6,22
